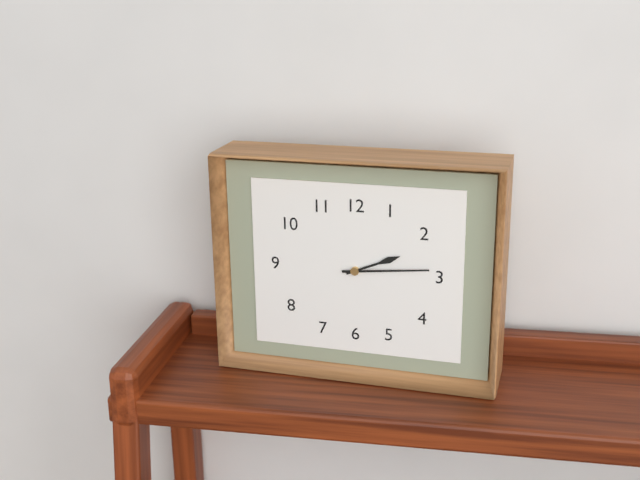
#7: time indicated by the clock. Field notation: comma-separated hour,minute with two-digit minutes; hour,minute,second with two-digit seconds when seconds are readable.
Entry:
2,14
